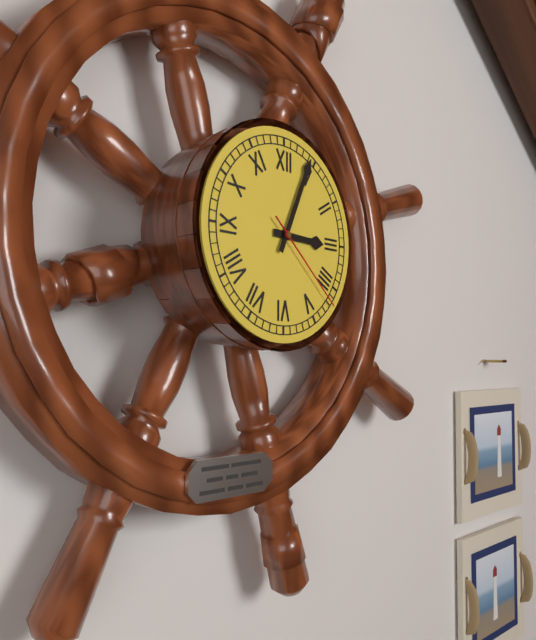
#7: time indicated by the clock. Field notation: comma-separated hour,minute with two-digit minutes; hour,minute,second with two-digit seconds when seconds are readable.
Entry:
3,04,22
